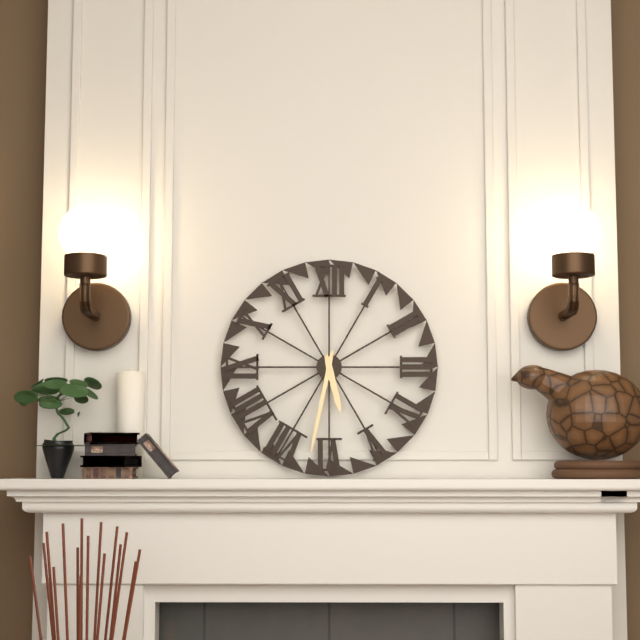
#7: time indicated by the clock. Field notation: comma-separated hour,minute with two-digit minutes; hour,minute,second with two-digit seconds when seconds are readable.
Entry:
5,32
